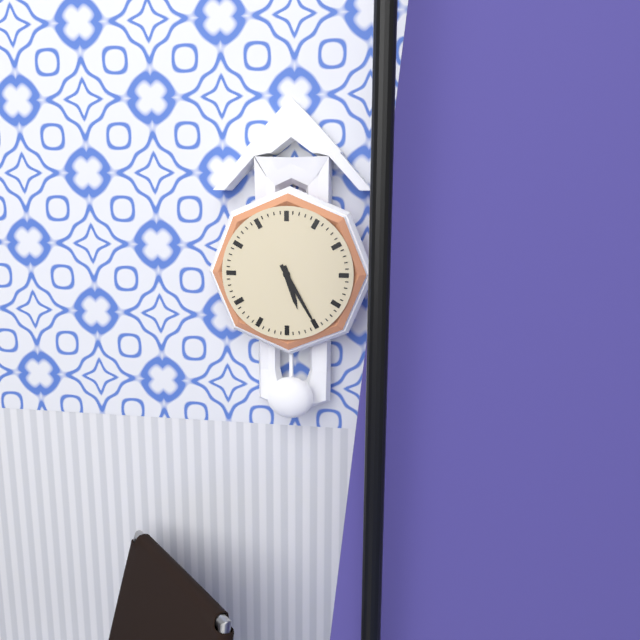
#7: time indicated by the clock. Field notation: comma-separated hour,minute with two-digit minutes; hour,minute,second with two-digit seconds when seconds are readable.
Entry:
5,25
